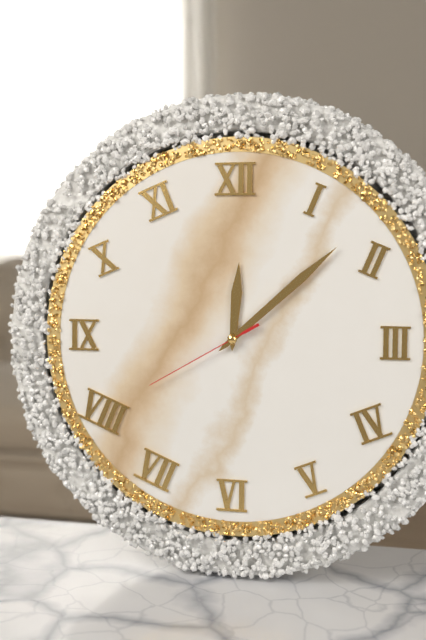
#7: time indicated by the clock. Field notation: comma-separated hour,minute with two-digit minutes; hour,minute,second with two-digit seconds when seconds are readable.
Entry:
12,08,40
